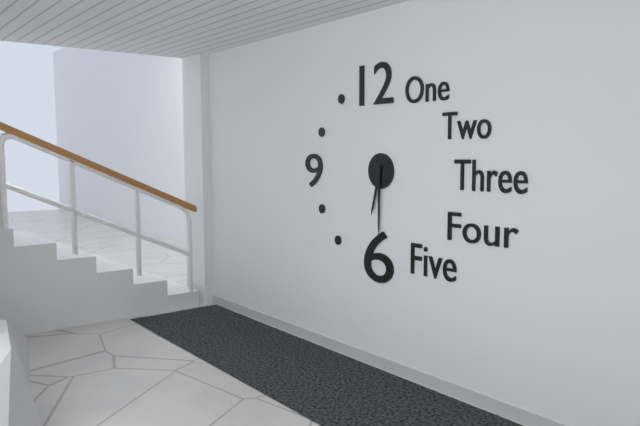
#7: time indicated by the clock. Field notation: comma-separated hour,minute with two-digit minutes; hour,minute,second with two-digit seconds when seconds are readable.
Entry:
6,30
